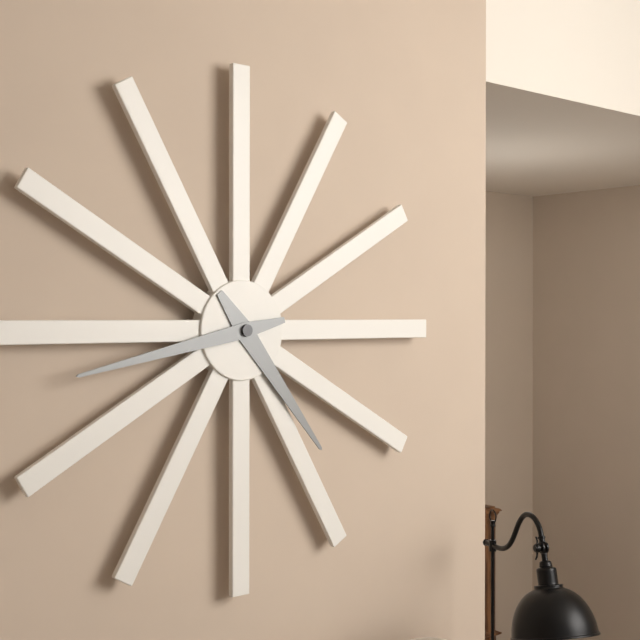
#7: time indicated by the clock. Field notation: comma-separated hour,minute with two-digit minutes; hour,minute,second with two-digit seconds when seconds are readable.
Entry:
4,43
